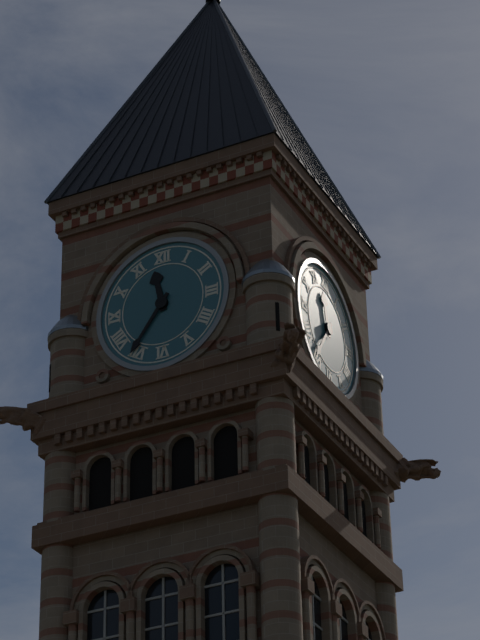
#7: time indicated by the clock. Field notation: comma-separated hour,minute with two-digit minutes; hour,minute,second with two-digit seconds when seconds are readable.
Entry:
11,36
